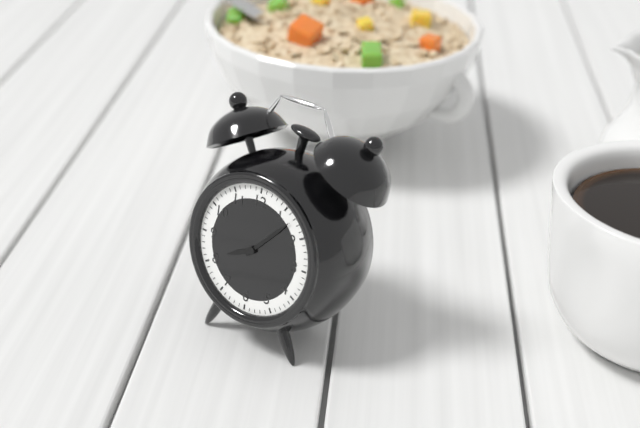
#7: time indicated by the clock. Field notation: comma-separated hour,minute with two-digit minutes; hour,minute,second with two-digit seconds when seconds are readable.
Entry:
8,07
